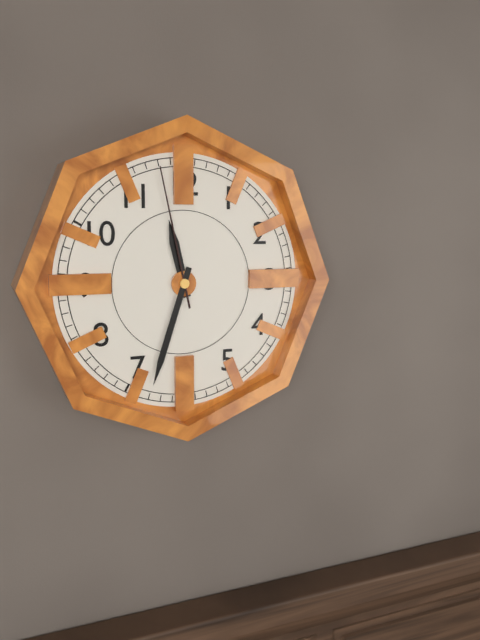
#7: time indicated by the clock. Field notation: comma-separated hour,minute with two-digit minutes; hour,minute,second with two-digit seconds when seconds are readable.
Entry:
11,33,58
